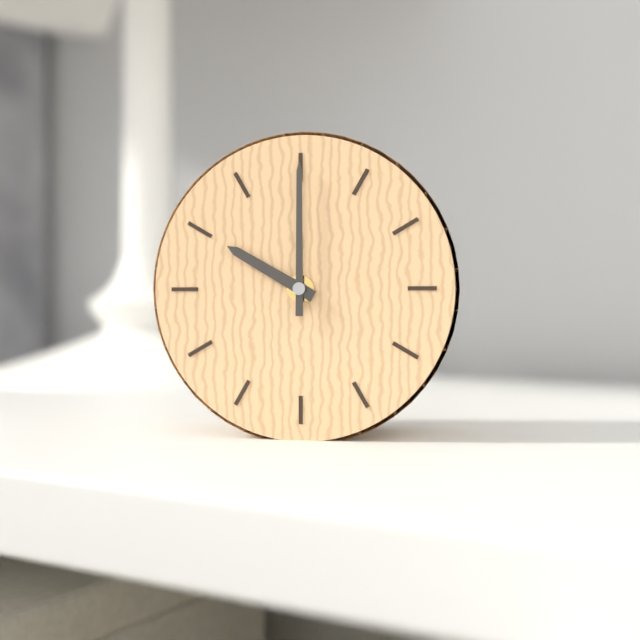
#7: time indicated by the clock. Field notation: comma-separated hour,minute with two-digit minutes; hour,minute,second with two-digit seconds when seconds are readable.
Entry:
10,00
